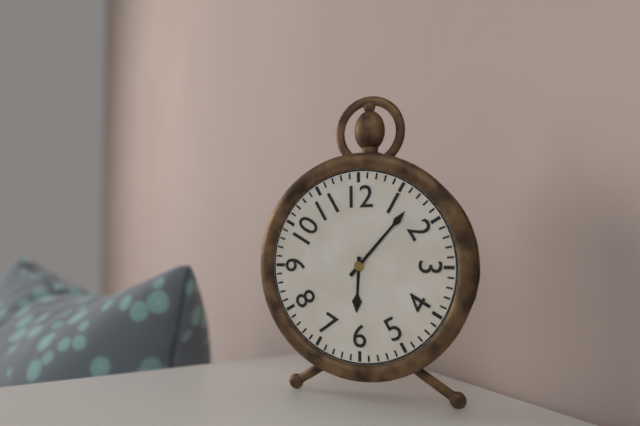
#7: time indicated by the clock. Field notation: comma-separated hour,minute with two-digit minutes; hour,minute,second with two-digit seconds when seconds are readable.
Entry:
6,07
